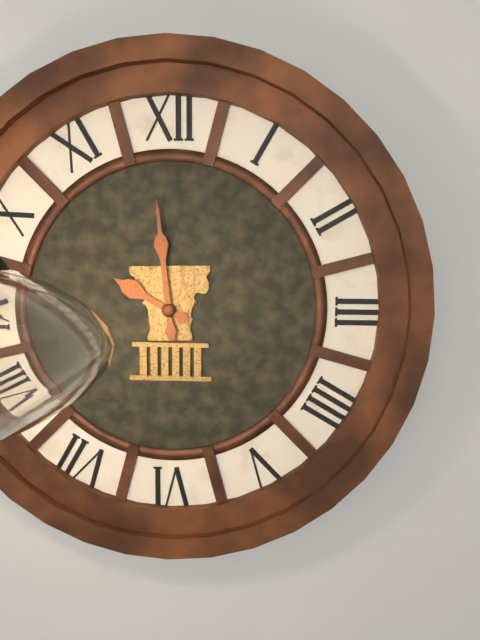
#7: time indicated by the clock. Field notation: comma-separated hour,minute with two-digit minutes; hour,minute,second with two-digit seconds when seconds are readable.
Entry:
9,59
